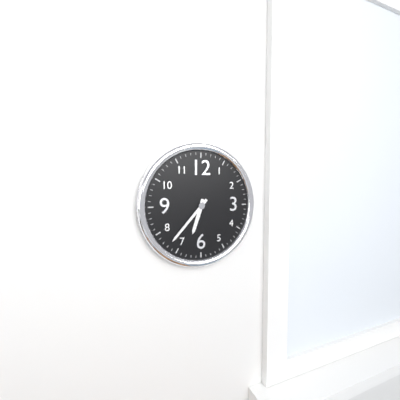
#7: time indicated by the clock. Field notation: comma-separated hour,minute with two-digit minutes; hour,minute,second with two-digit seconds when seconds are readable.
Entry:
6,37
